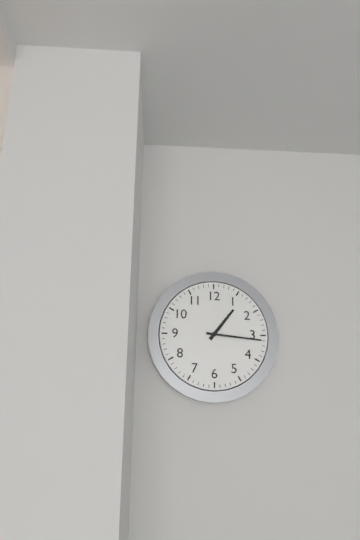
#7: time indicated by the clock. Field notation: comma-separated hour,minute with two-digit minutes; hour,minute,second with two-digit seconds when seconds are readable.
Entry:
1,16
